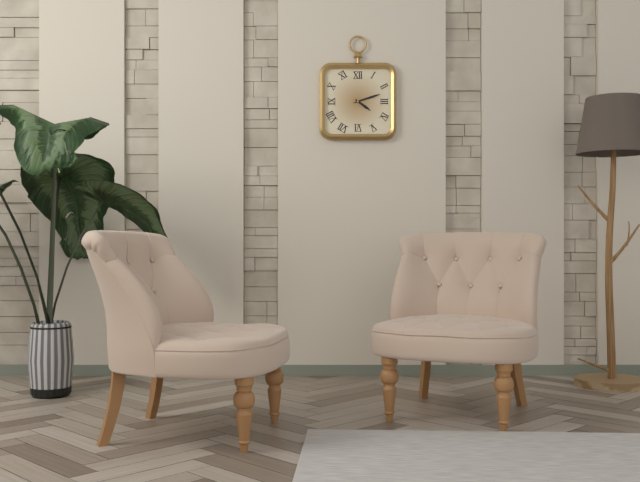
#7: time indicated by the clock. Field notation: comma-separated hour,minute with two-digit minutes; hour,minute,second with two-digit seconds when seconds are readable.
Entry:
4,12
